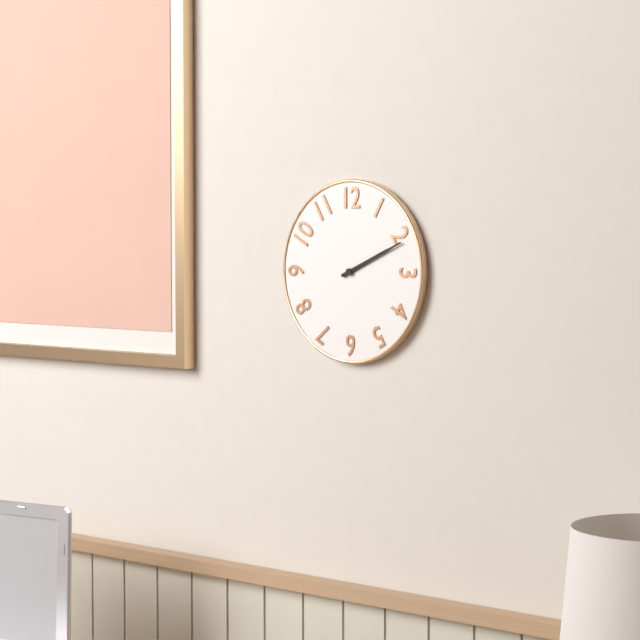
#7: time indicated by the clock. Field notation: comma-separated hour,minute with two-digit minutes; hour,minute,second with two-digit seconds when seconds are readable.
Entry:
2,11
